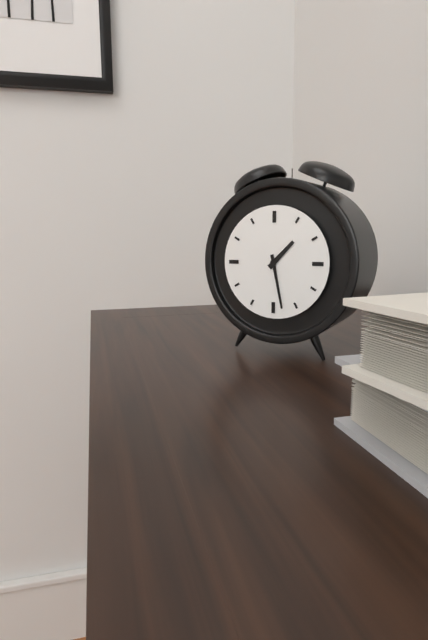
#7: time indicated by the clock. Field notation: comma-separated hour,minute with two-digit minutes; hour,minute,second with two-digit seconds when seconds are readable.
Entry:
1,28
